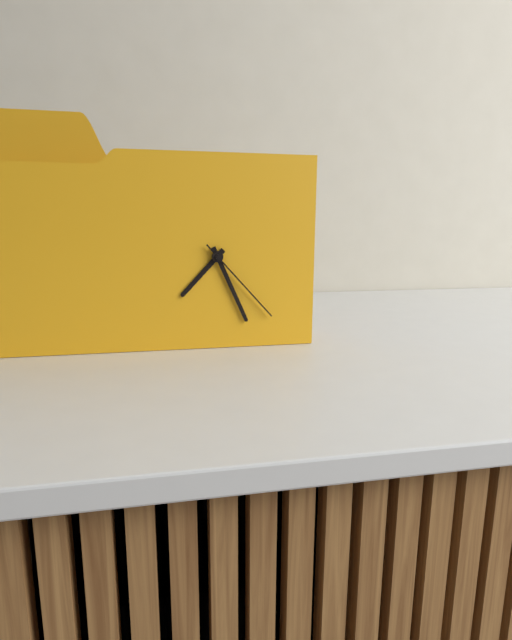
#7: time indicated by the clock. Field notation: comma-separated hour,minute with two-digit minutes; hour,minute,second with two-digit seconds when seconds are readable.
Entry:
7,26,23
